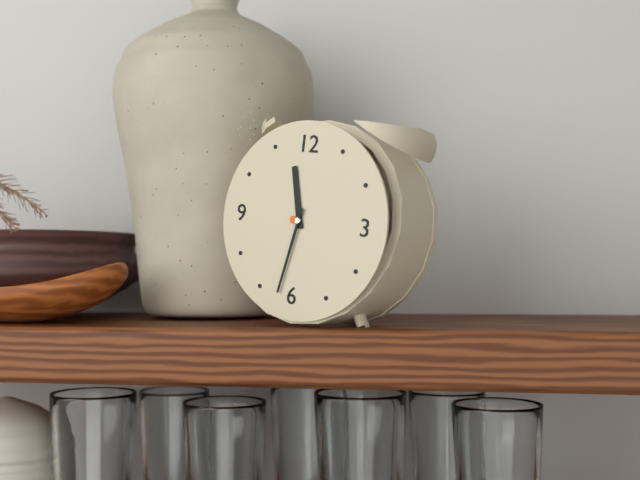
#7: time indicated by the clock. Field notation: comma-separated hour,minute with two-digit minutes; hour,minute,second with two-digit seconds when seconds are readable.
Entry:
11,32
